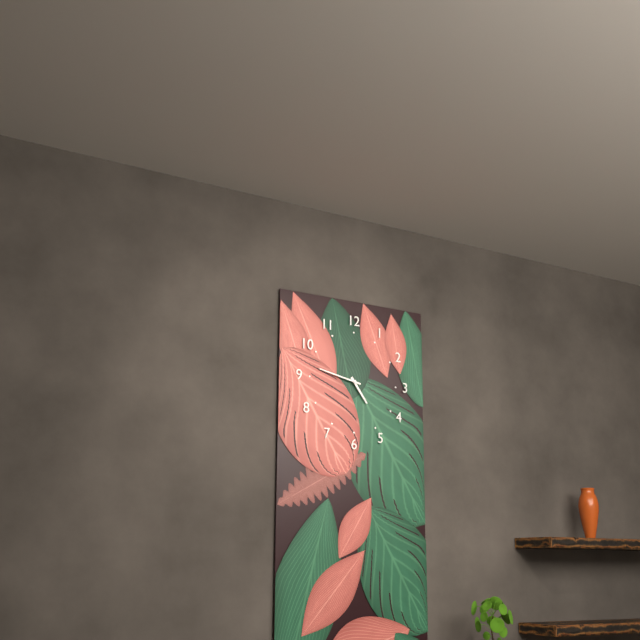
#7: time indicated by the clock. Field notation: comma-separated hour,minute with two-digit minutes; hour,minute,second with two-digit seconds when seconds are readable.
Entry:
4,47
